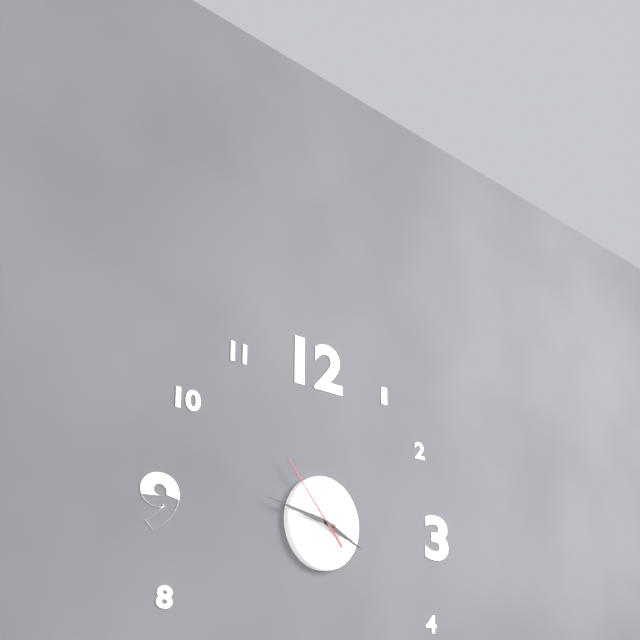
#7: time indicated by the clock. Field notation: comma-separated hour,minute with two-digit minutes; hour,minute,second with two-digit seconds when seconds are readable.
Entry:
3,47,53
